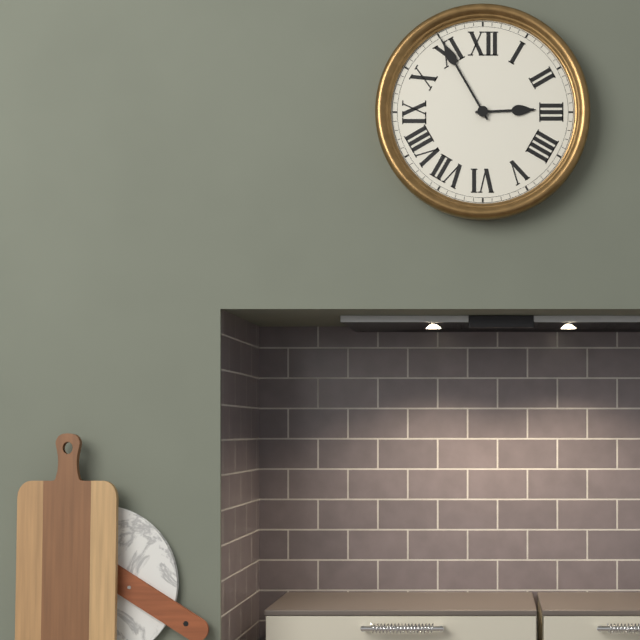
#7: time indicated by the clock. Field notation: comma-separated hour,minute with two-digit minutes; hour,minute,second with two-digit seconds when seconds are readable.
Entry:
2,55
